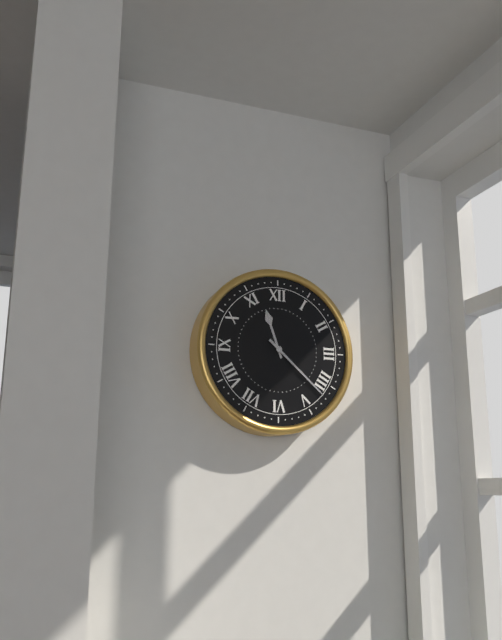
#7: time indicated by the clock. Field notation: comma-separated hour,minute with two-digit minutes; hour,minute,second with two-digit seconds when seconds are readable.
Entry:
11,22
